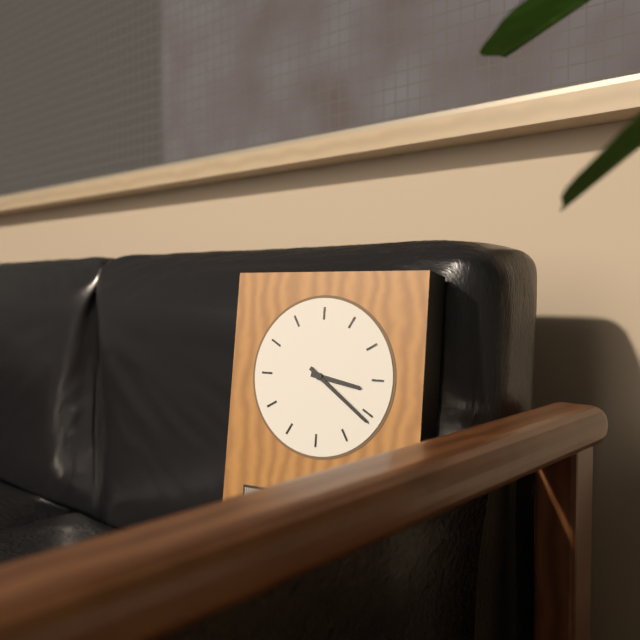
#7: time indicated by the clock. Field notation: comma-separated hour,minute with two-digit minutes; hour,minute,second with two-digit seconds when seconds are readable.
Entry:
3,21
